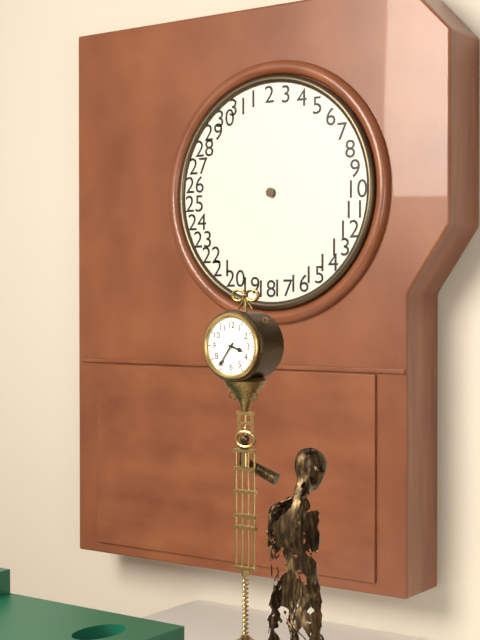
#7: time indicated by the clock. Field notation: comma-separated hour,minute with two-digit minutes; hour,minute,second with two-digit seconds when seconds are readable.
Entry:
3,36
